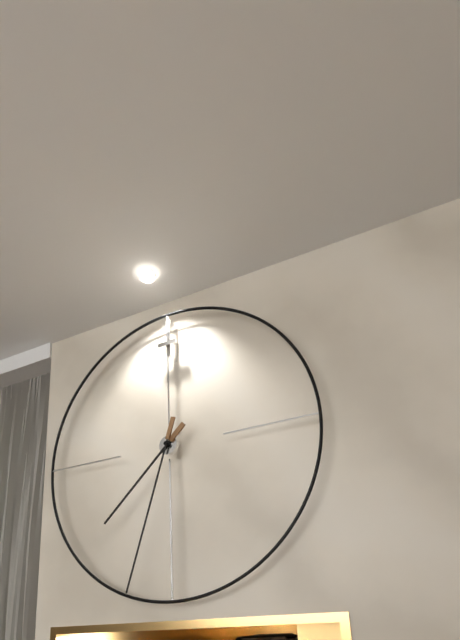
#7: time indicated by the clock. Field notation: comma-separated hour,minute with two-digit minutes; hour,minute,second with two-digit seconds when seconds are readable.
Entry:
7,33
